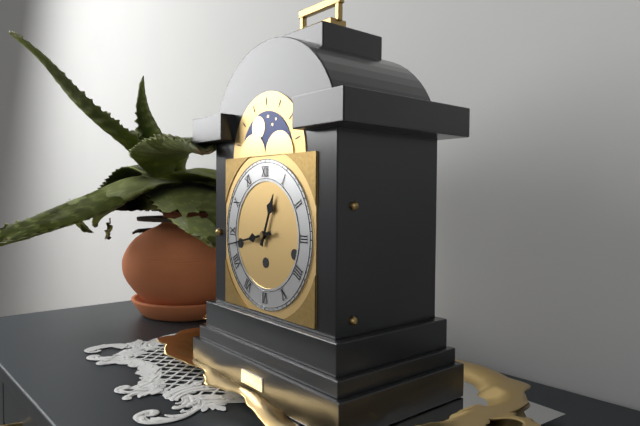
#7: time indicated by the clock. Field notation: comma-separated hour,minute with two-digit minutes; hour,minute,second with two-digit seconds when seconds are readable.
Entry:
12,43
